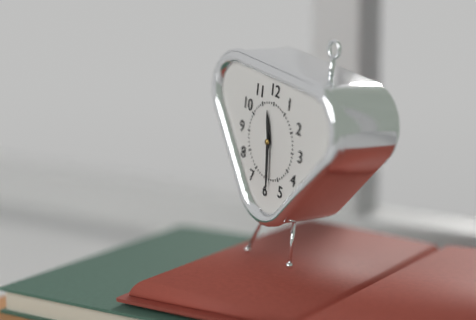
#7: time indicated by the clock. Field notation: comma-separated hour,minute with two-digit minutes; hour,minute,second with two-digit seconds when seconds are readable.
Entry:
11,29
